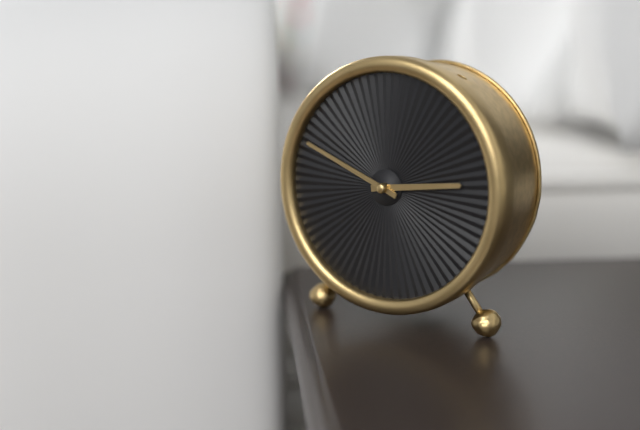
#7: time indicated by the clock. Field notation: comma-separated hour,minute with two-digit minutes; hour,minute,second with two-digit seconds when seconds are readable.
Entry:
2,49
